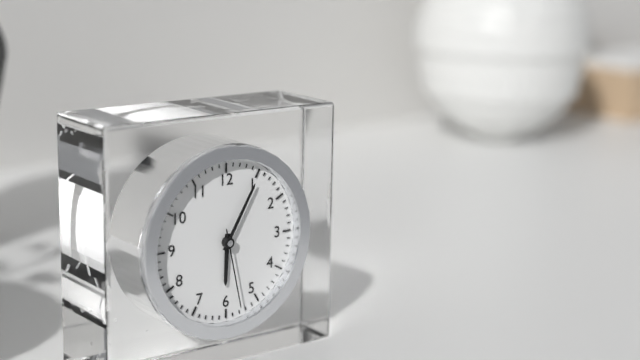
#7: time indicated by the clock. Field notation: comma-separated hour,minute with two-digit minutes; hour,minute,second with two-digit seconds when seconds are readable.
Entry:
6,05,28
